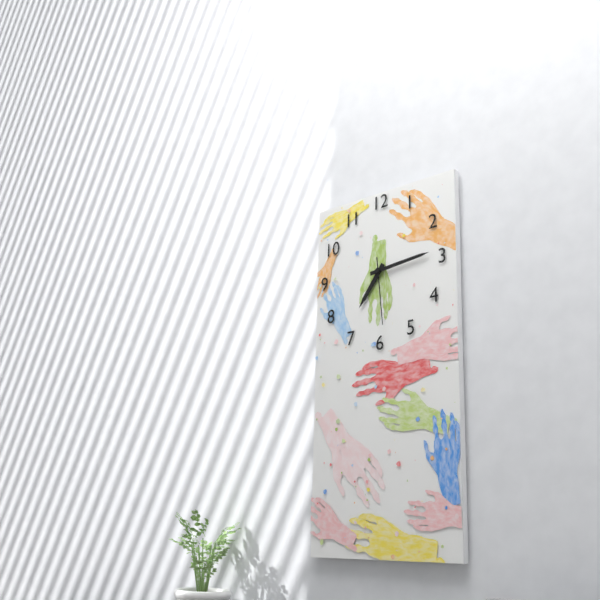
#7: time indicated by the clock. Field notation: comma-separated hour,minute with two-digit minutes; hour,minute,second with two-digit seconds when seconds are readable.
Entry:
7,14,29
